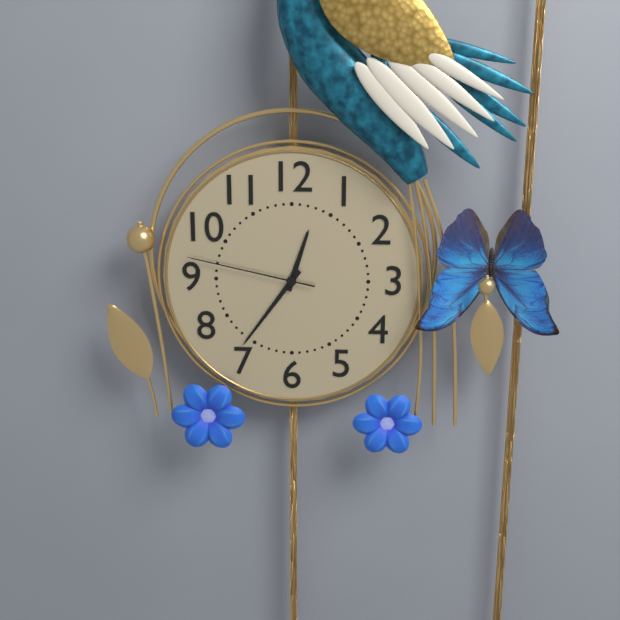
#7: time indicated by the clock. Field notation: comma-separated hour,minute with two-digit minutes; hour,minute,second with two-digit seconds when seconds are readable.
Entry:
12,36,47
